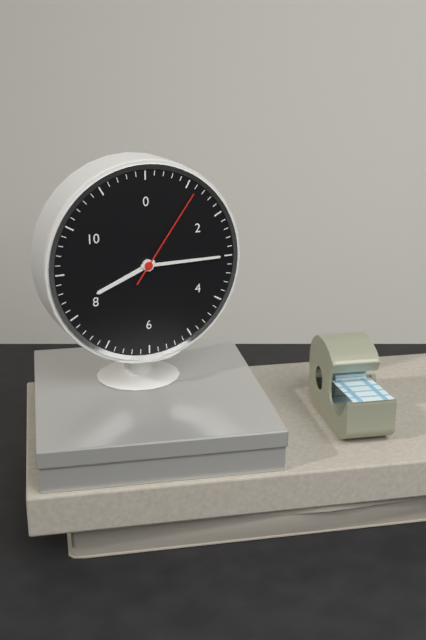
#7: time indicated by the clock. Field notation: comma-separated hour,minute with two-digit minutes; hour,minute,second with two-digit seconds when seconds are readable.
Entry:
8,15,06
